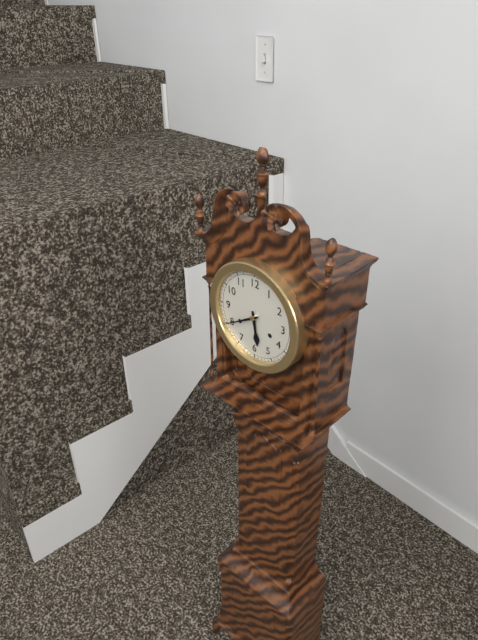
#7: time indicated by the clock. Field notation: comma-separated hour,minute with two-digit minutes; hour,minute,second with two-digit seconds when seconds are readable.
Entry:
5,40
